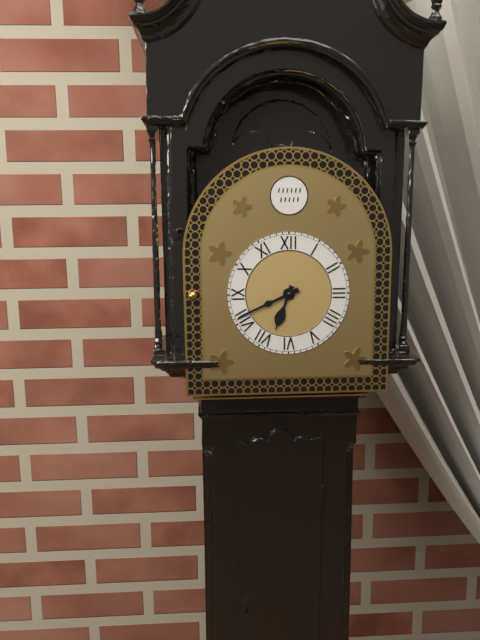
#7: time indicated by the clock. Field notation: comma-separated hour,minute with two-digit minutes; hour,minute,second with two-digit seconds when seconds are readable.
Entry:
6,41
